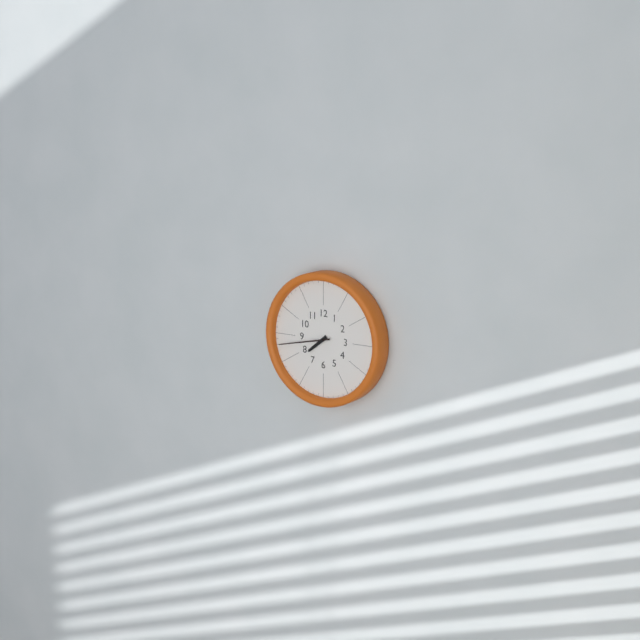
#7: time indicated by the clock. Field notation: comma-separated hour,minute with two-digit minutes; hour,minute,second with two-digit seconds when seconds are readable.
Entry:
7,43
